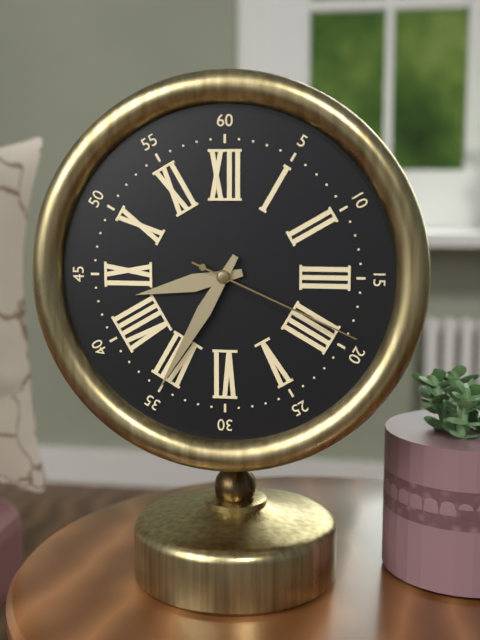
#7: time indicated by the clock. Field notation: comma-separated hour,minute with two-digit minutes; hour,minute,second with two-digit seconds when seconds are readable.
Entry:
8,35,19
